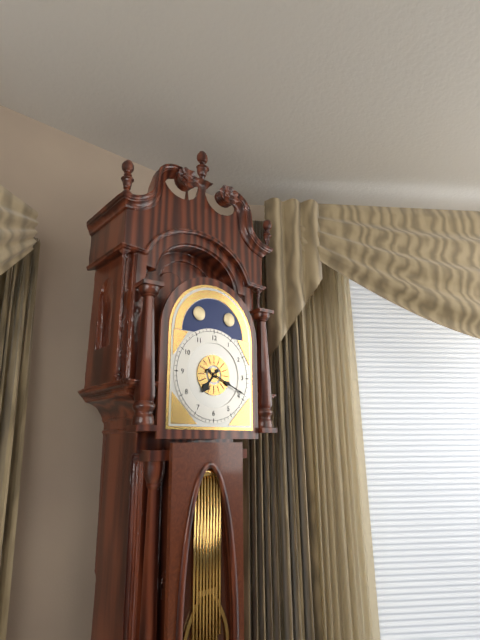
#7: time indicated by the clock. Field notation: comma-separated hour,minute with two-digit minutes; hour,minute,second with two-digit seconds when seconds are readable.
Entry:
7,19
